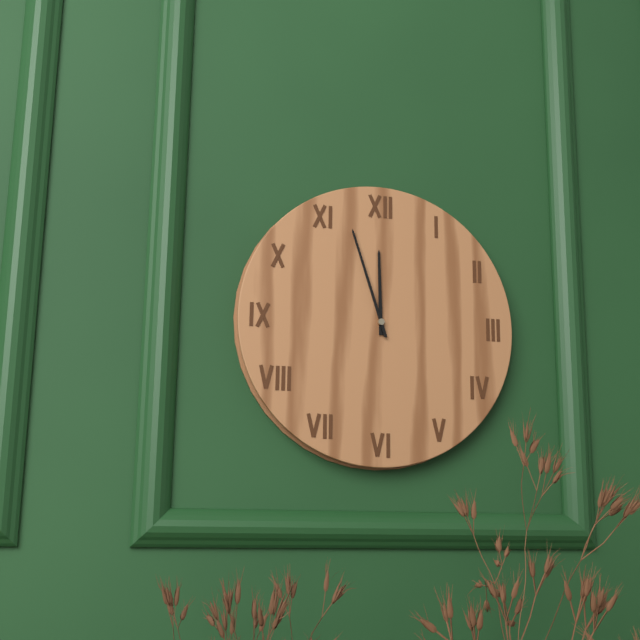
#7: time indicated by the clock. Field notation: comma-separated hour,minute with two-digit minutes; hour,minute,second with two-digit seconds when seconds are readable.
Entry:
11,57
